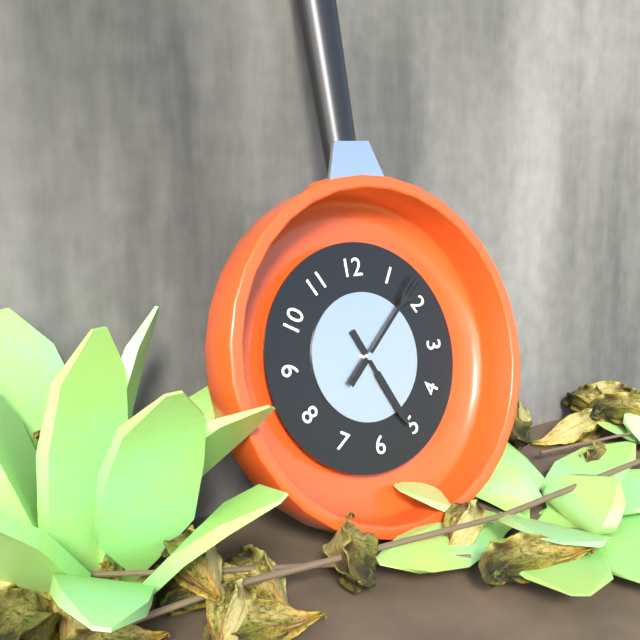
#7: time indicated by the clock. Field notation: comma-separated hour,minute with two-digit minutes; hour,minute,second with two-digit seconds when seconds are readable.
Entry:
5,08
